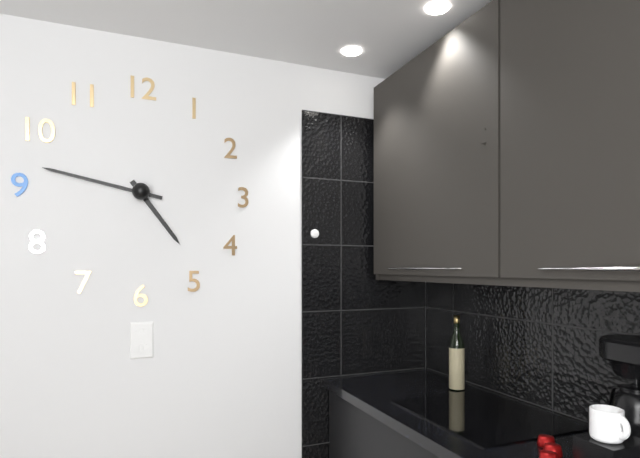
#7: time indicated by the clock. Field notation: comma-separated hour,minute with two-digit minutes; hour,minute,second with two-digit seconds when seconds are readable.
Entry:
4,47
